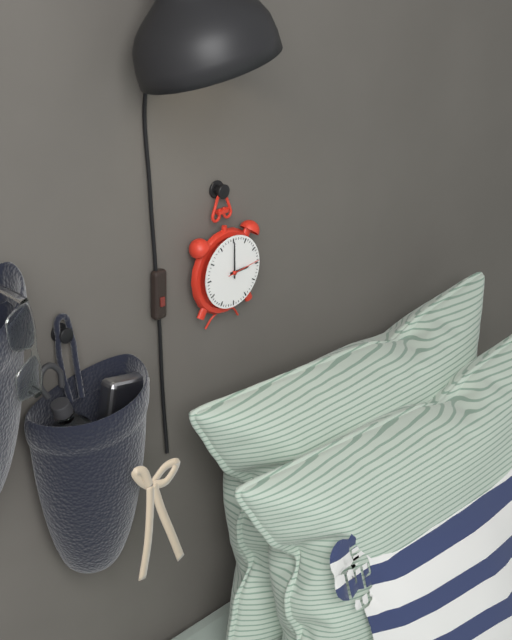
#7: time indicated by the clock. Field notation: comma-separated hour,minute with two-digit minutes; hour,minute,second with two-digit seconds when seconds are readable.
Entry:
3,00
